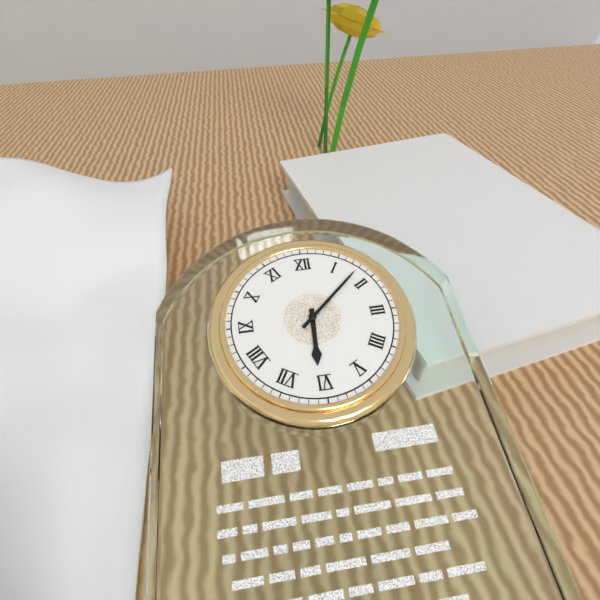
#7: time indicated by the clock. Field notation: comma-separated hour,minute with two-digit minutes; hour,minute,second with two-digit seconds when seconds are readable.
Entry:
6,08
